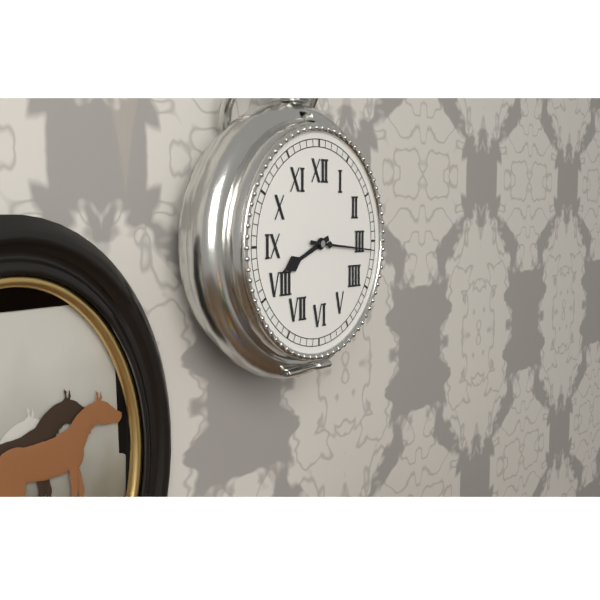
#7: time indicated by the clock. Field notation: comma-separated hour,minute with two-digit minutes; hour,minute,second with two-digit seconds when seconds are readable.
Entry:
8,16
